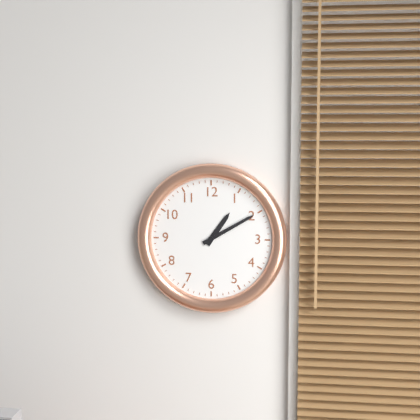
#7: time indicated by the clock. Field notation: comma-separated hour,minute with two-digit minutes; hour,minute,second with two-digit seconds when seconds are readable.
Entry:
1,10
